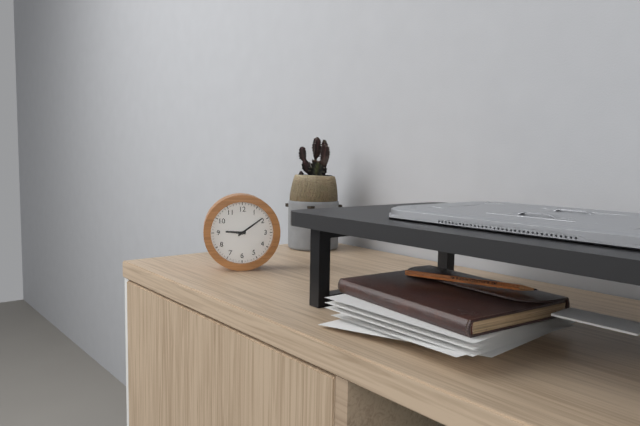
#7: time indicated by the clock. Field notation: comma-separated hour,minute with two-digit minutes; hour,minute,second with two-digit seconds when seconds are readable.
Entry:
9,09
